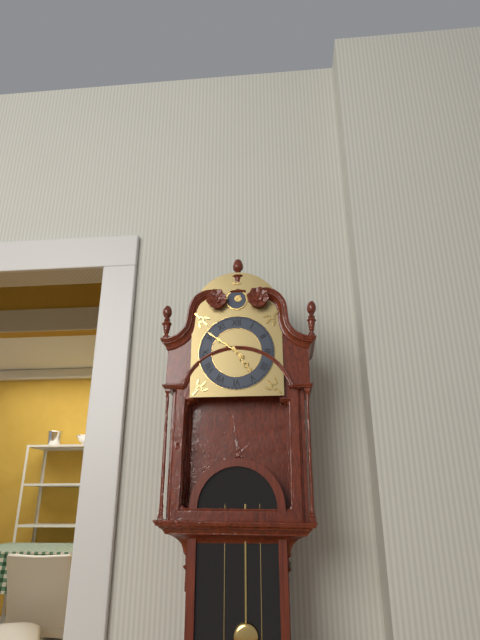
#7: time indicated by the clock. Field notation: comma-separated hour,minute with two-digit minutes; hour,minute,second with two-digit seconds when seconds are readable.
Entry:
4,51
